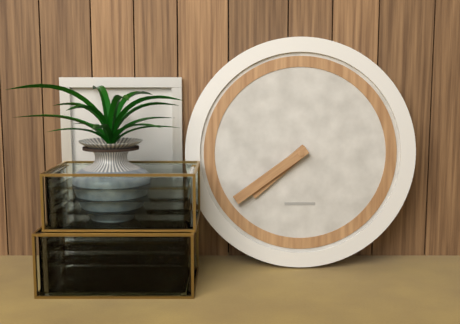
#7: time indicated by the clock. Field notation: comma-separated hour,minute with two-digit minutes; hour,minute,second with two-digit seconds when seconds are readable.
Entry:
7,39
